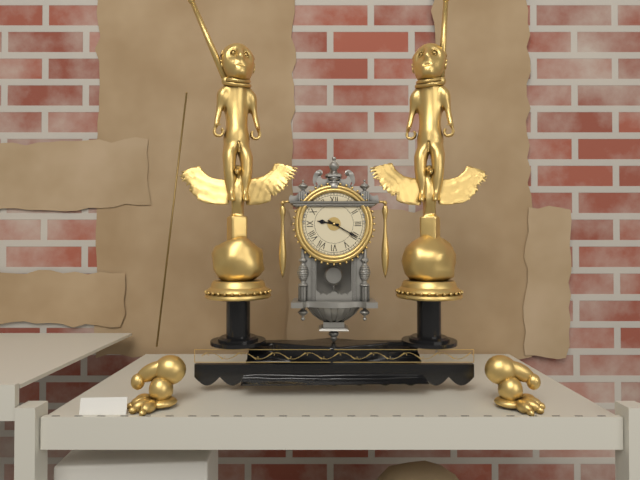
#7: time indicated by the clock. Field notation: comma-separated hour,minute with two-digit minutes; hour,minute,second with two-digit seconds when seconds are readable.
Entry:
9,20
